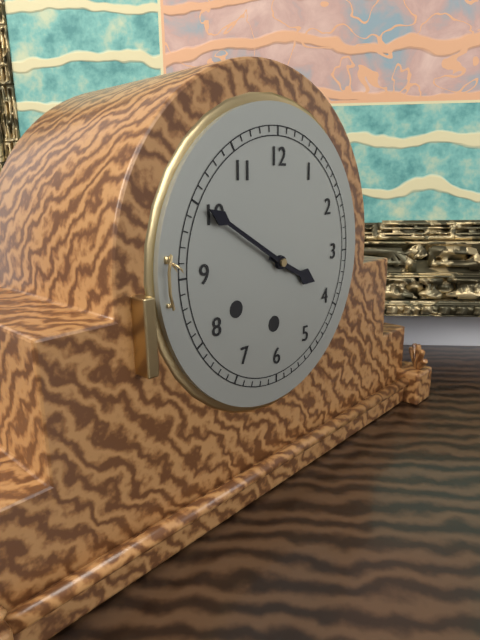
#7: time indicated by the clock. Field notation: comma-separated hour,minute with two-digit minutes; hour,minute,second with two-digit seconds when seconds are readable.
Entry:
3,50
